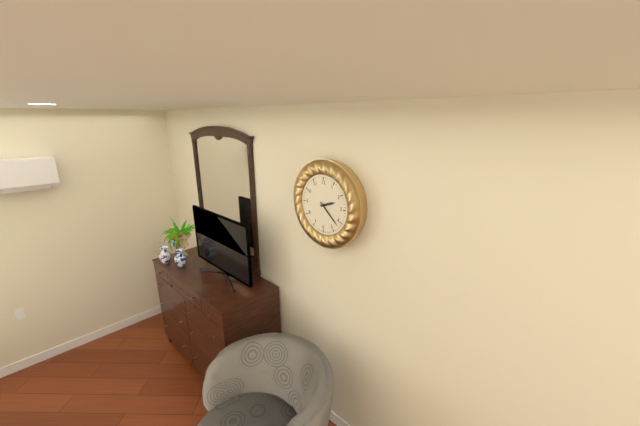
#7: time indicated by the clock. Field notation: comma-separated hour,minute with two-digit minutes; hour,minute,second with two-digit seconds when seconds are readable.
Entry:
2,22
